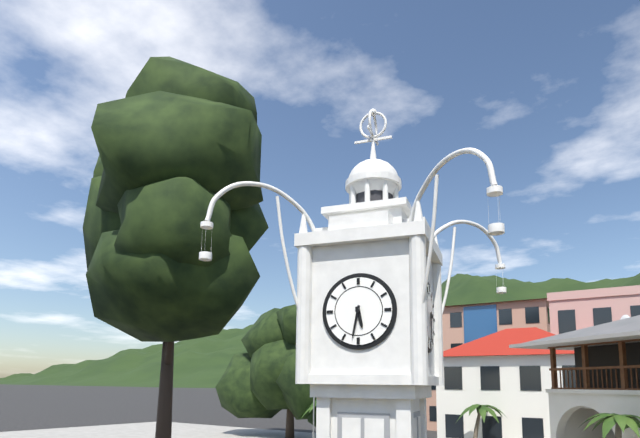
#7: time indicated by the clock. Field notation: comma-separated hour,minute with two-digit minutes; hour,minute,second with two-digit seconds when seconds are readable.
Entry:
5,32
